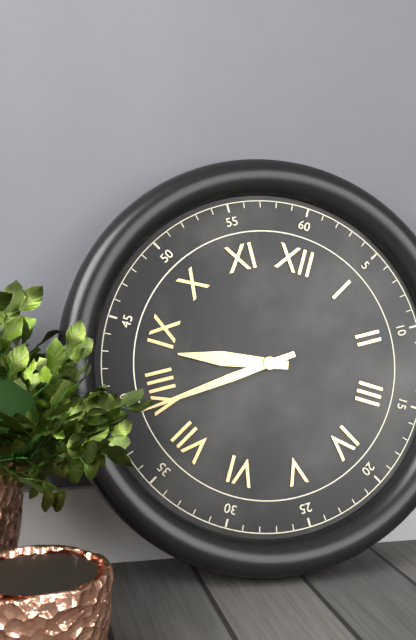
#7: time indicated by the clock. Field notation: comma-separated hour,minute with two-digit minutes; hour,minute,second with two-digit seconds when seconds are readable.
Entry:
8,39
